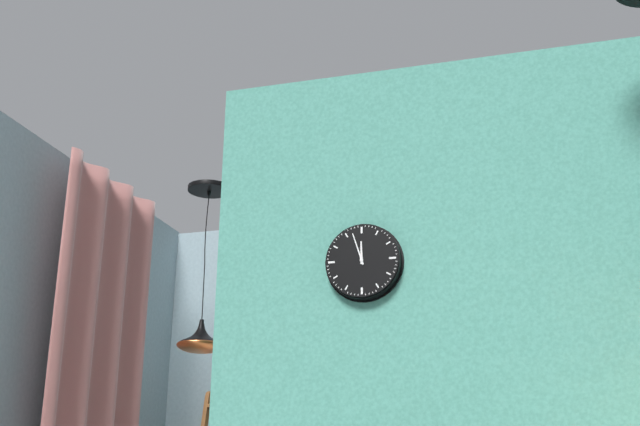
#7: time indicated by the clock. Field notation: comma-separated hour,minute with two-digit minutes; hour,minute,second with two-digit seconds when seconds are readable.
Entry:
11,57
